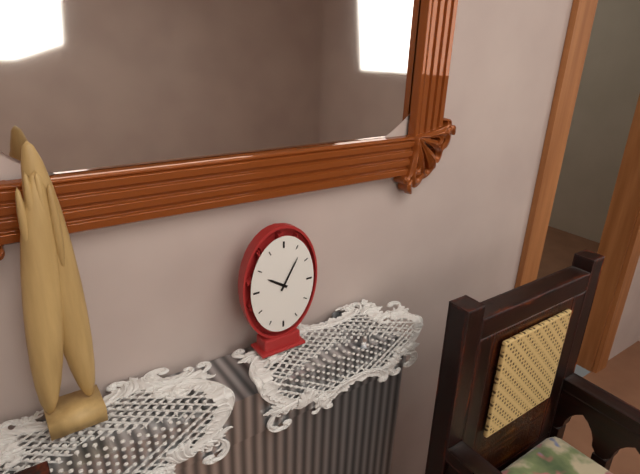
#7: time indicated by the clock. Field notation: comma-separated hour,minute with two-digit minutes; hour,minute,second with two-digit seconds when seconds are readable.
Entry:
10,05
